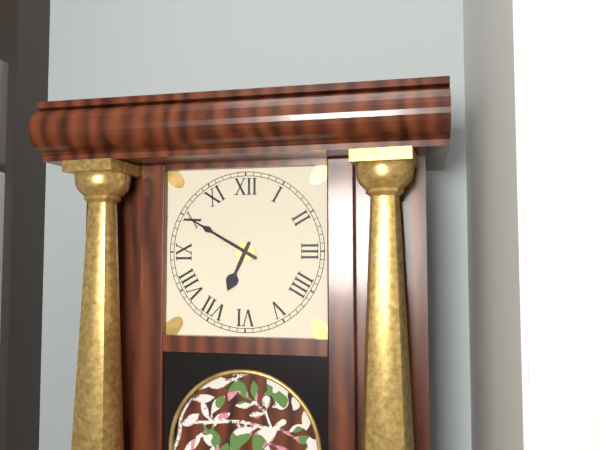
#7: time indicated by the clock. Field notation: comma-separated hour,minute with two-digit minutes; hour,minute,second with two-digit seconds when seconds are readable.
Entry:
6,50
